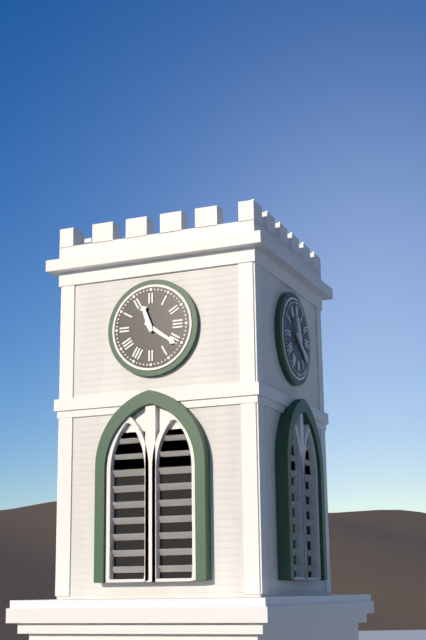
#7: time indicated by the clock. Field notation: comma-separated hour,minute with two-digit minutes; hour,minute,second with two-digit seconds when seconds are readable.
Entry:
11,21
